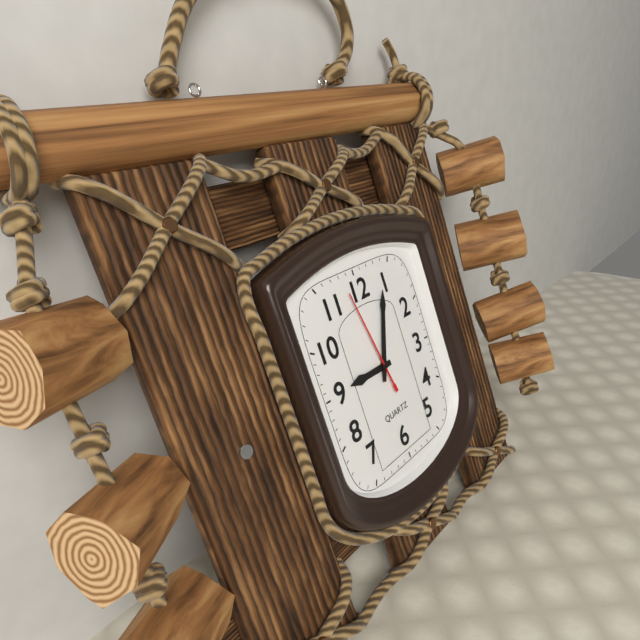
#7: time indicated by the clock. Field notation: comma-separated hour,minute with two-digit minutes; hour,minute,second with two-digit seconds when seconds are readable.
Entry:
9,04,58
